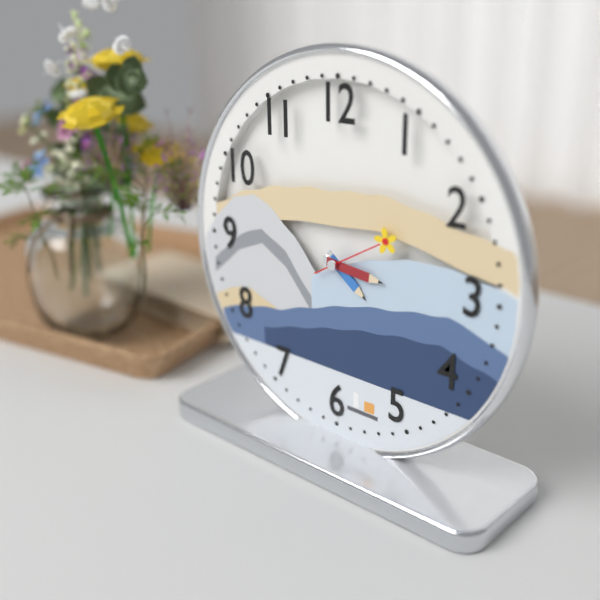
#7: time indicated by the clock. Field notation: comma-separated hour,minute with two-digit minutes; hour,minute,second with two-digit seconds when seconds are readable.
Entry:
4,16,10
